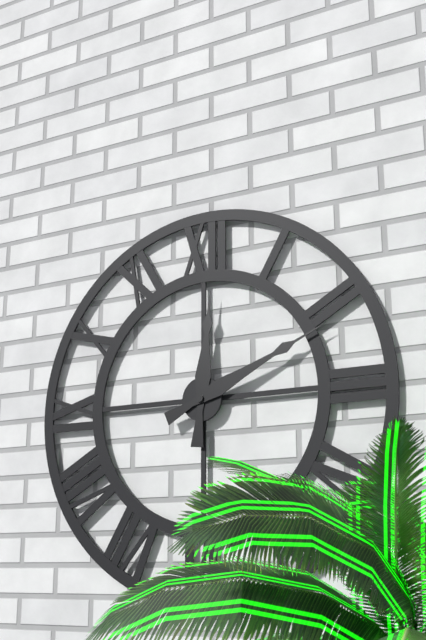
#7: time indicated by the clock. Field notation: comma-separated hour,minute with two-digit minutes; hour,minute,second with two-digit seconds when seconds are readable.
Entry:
12,11
